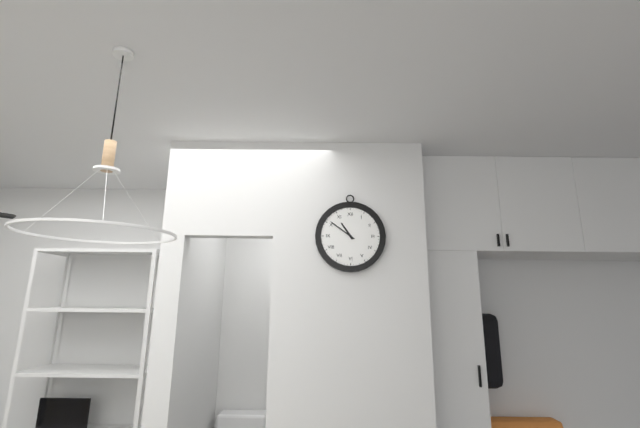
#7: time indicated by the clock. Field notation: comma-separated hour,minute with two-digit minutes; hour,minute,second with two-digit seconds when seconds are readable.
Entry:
10,51
